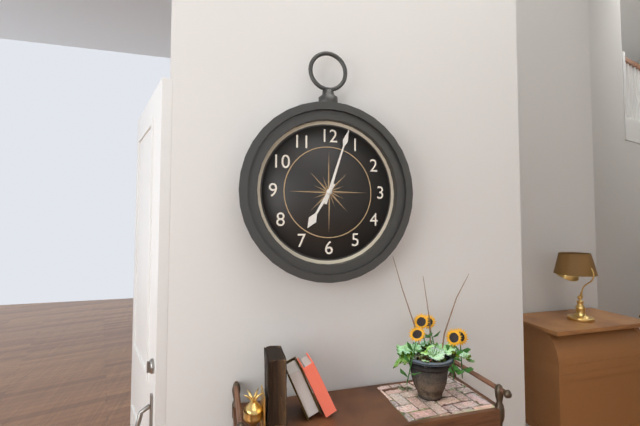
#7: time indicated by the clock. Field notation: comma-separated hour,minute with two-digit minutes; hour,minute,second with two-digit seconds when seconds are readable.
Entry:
7,03
